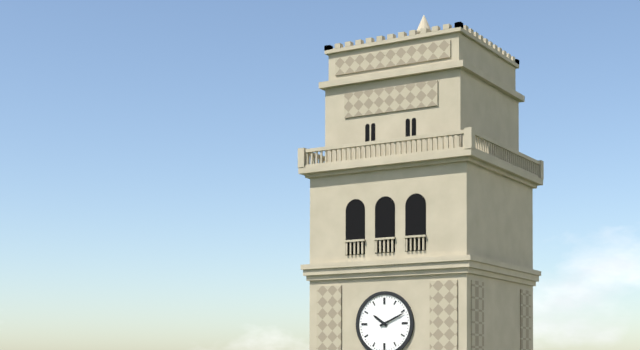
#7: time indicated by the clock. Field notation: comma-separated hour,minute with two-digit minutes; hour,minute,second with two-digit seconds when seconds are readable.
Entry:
10,11
